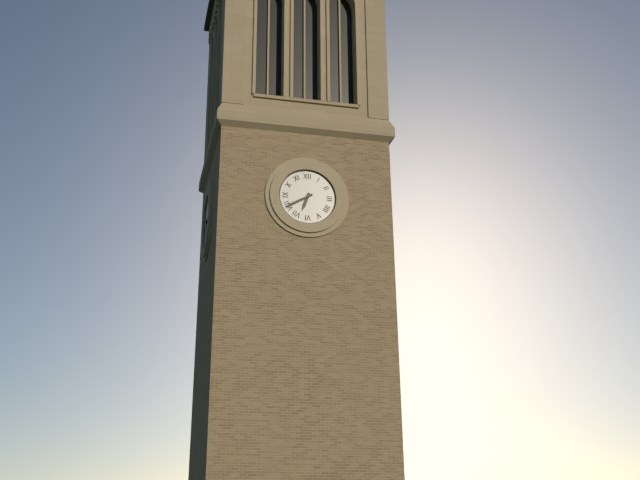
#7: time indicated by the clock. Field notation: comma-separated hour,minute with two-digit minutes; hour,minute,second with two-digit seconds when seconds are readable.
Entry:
6,40
